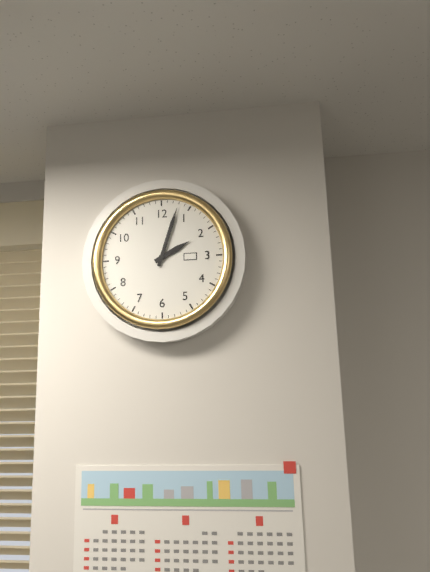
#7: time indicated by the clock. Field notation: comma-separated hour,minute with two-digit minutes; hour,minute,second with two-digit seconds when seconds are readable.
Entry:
2,03
